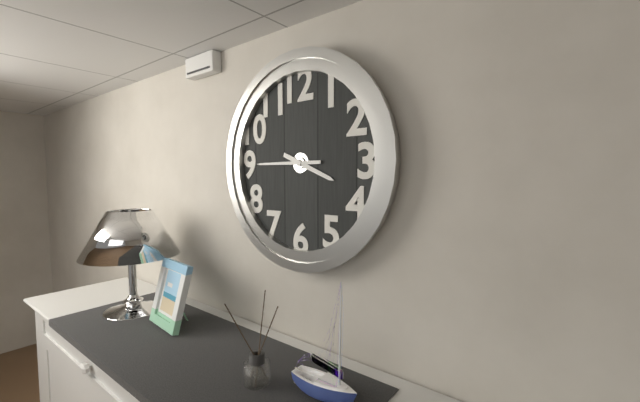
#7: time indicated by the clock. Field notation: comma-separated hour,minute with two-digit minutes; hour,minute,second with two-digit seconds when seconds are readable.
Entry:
3,45
